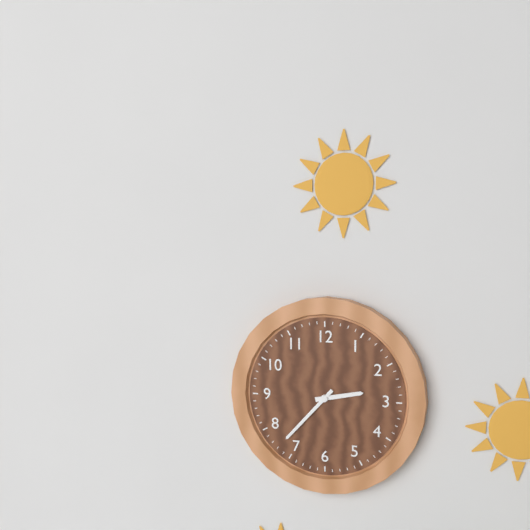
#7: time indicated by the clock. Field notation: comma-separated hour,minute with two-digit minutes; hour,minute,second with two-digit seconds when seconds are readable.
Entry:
2,37
